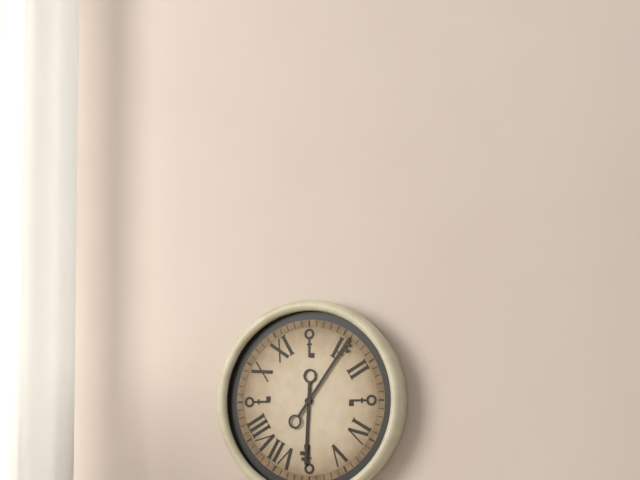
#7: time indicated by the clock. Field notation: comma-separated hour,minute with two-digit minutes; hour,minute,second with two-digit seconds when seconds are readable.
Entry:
6,06
